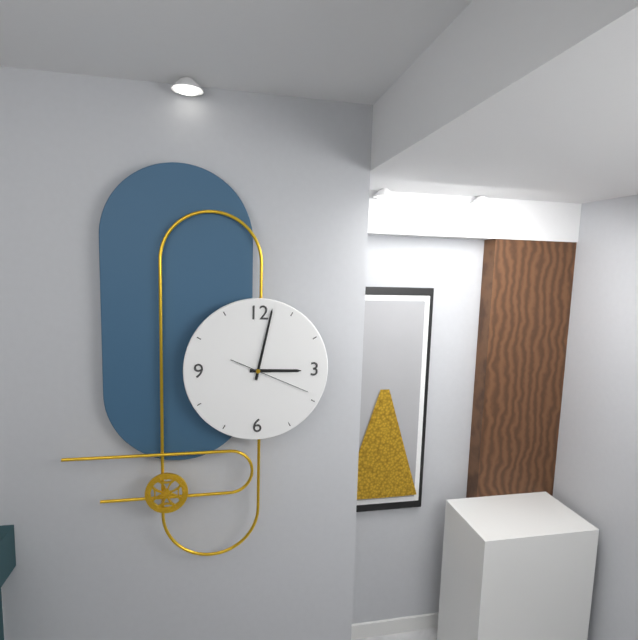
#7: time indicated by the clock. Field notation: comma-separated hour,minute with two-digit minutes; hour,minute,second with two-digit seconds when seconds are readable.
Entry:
3,02,19
